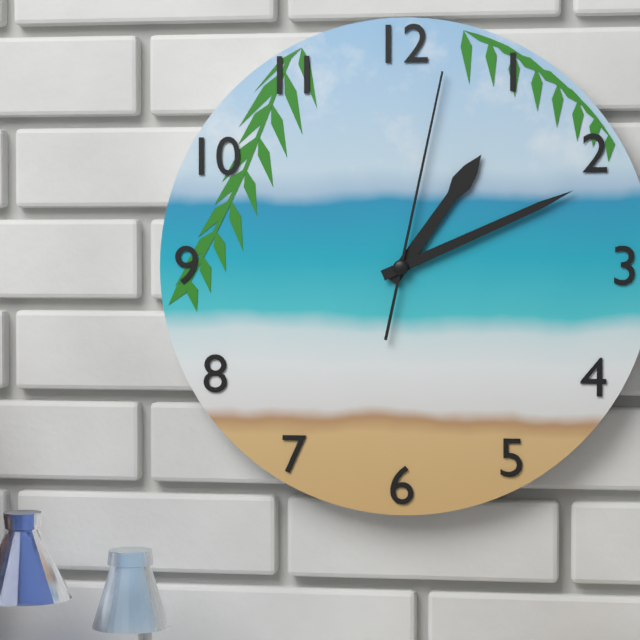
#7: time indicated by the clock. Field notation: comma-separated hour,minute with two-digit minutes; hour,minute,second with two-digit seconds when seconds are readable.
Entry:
1,11,02
